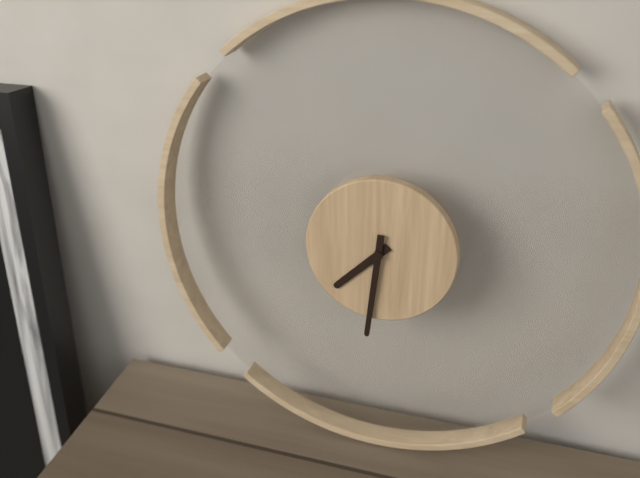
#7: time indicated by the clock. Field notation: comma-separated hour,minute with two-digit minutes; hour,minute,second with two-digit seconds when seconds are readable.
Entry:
7,31
